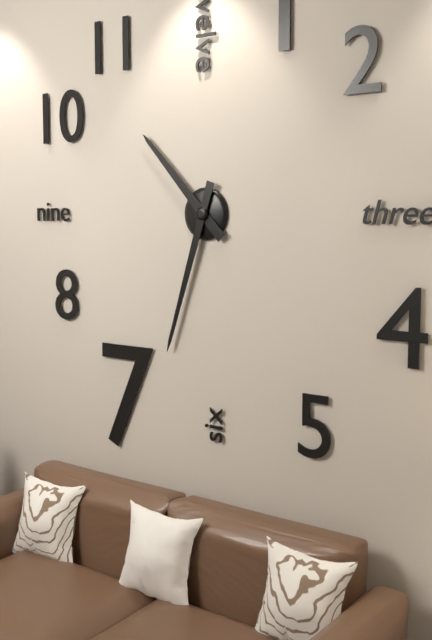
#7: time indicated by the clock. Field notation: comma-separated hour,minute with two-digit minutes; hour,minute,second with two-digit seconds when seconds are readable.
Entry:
10,33
